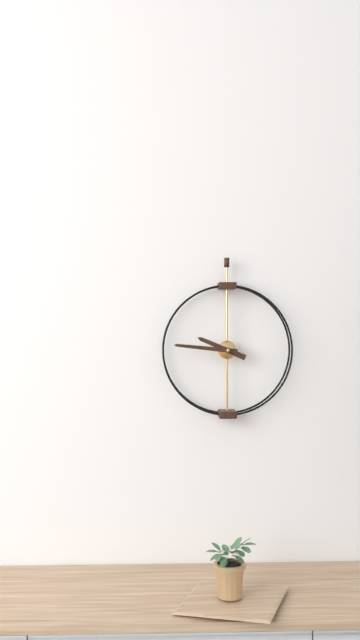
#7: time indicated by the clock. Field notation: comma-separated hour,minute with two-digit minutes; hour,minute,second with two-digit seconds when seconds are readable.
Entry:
9,46
